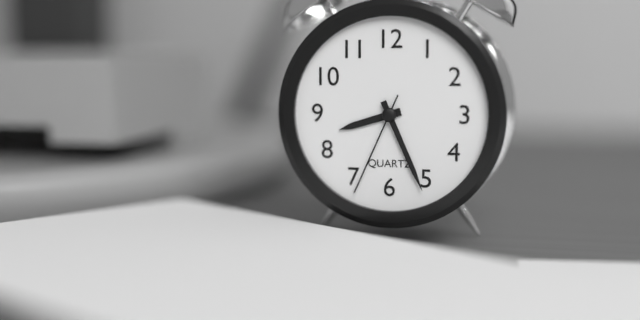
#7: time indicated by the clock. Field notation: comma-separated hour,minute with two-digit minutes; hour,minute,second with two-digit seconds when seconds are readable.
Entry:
8,26,34
